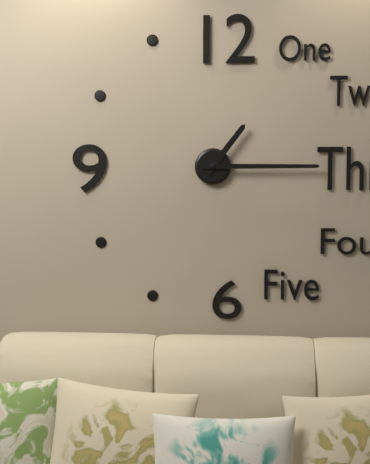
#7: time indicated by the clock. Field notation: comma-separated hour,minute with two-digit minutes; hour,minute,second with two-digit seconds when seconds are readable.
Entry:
1,15
